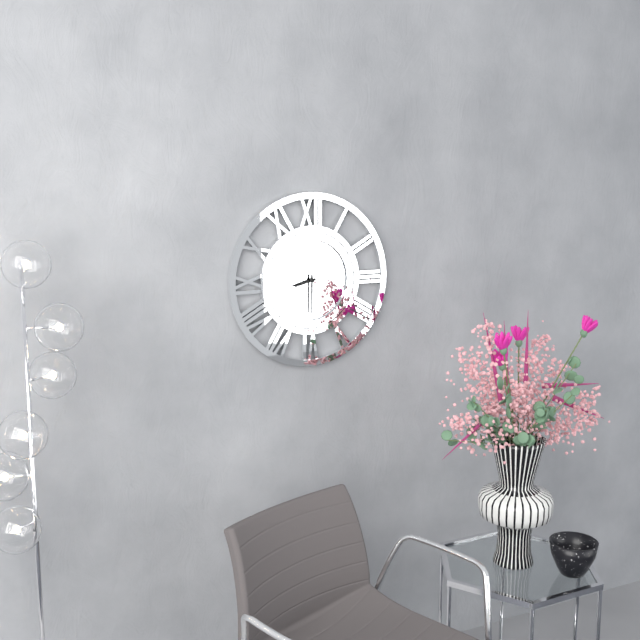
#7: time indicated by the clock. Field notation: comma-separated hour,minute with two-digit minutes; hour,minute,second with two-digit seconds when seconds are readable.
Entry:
8,30
